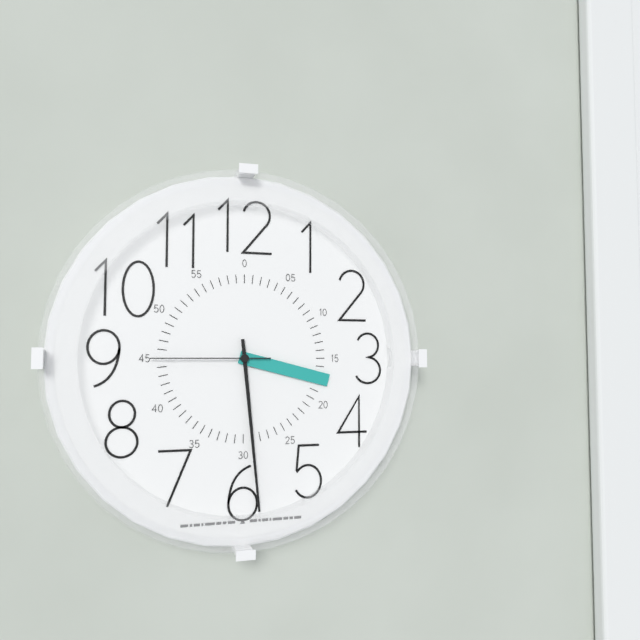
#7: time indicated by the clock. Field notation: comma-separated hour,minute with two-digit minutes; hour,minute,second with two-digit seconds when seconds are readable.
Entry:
3,29,45
